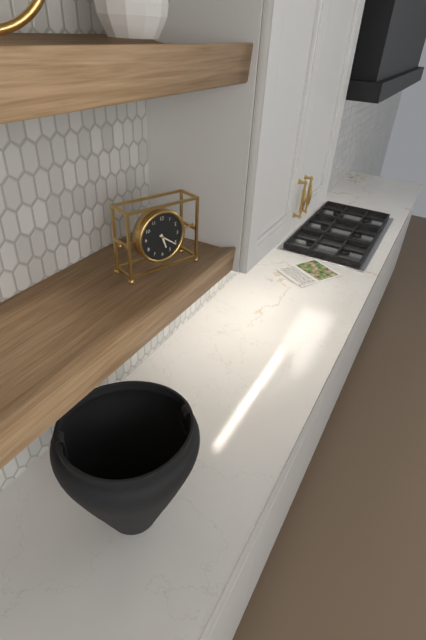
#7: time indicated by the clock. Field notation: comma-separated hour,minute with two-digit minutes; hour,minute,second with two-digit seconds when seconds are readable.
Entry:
5,21
